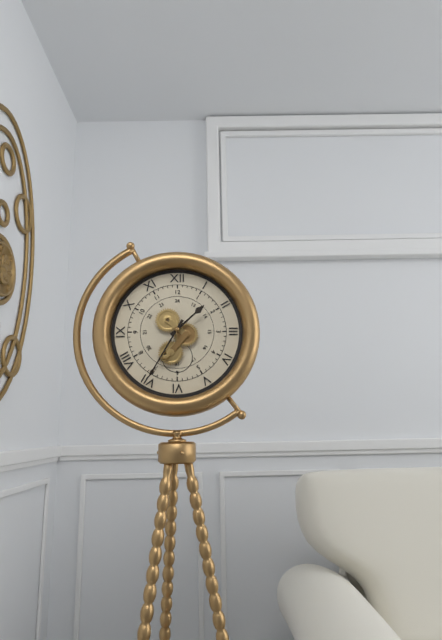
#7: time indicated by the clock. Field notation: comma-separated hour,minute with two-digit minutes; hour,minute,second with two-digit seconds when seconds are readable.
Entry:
1,35
